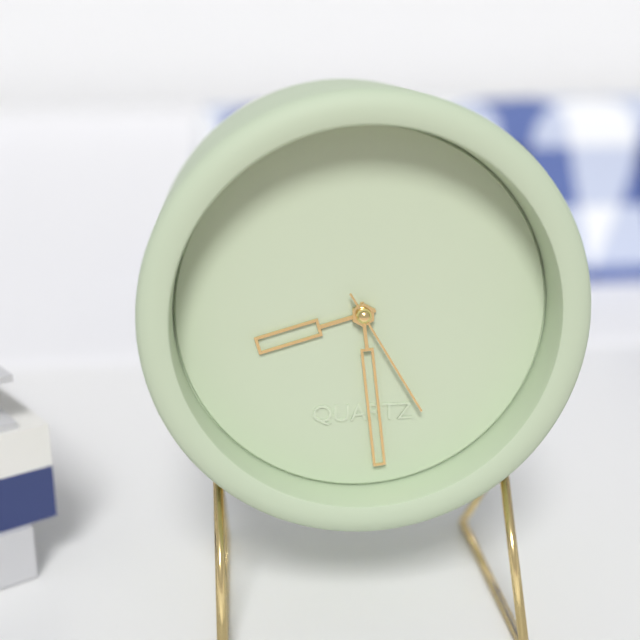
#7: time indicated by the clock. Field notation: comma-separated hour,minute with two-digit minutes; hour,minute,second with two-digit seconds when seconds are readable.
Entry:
8,29,25
